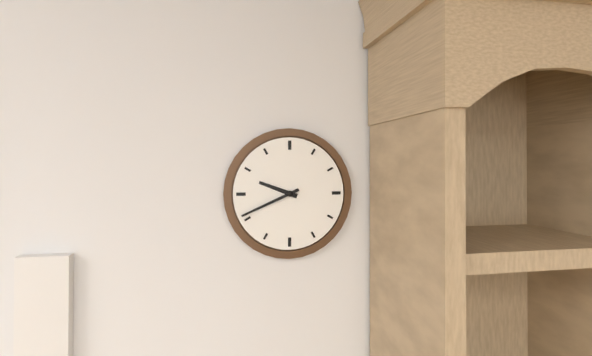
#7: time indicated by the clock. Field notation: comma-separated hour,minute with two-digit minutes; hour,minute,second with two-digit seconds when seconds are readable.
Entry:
9,41
